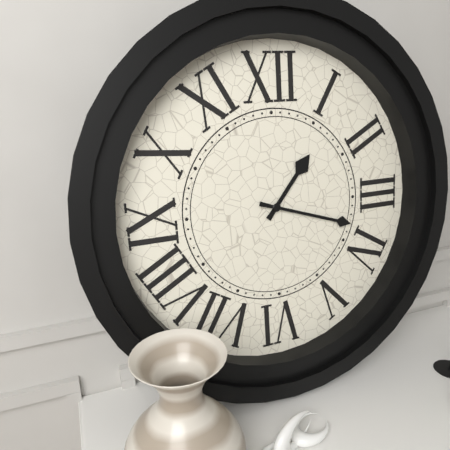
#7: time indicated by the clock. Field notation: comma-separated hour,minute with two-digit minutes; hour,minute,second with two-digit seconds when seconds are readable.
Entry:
1,18
